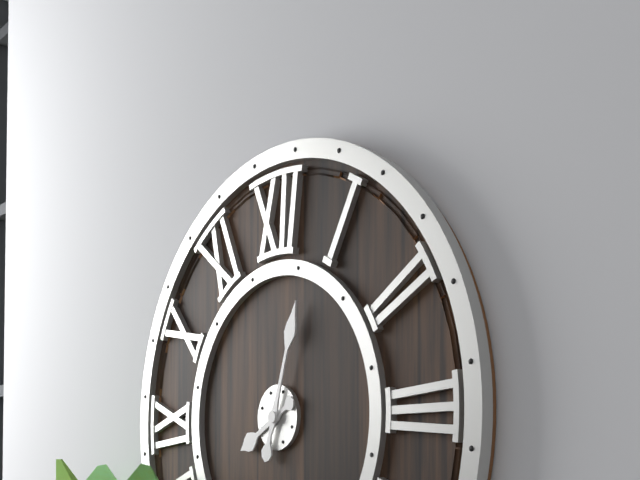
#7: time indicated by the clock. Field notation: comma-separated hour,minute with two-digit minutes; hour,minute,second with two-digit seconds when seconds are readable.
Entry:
8,03
